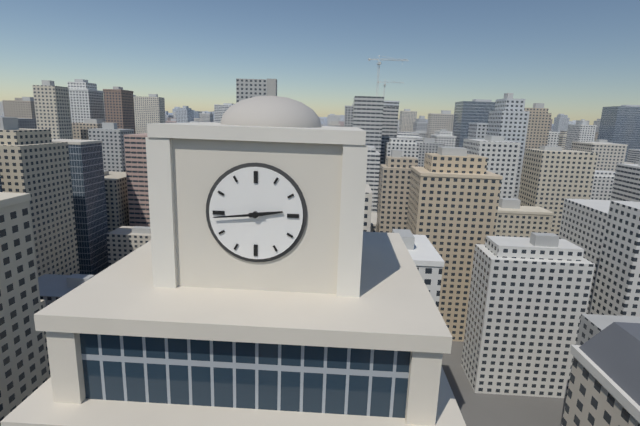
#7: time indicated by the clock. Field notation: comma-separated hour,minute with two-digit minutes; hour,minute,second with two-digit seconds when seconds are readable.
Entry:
2,44
